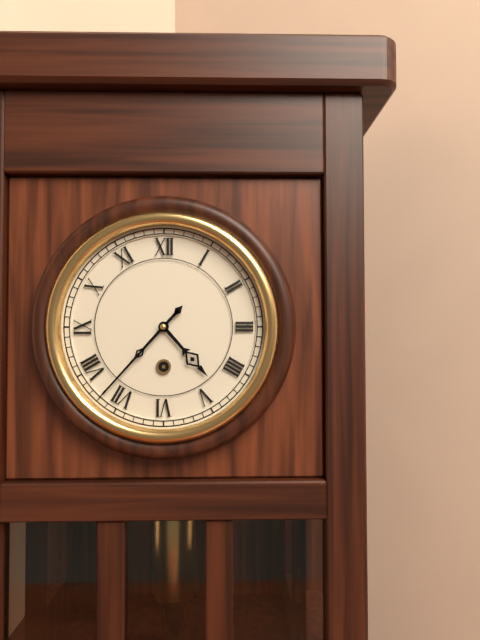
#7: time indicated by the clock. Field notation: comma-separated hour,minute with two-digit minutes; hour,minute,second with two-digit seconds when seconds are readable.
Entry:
4,37
